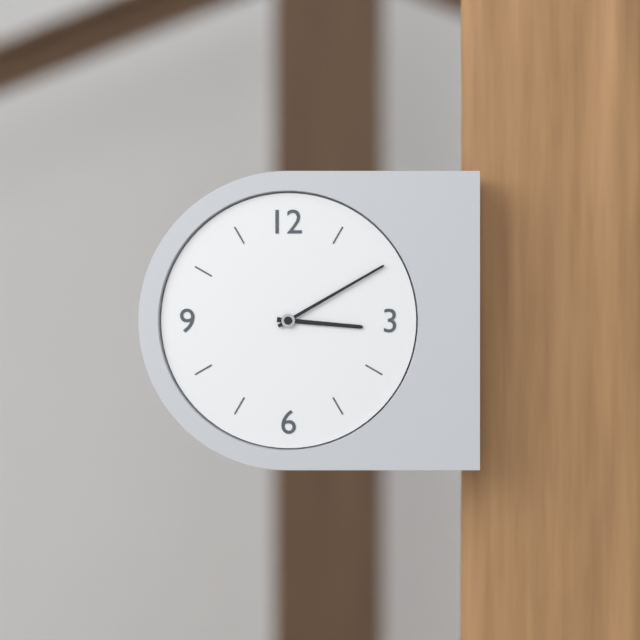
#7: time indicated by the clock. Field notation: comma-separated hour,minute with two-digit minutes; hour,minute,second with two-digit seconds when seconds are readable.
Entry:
3,10
